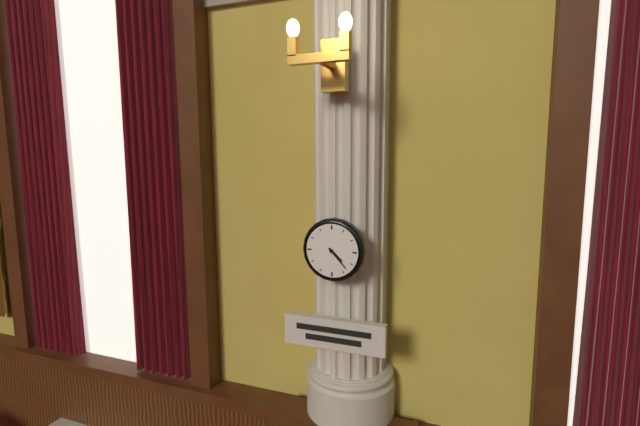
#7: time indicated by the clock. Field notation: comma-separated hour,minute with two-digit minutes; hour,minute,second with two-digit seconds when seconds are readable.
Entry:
4,23
